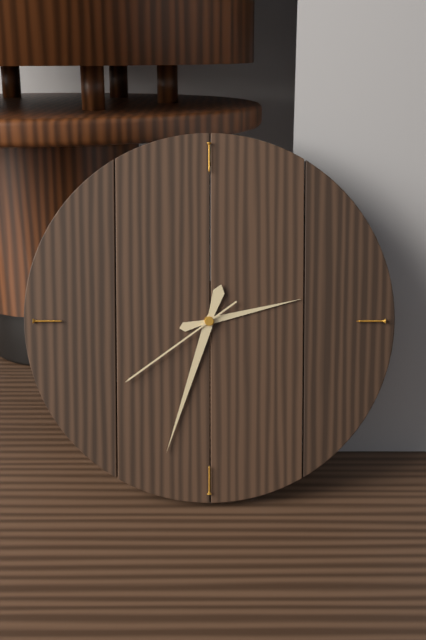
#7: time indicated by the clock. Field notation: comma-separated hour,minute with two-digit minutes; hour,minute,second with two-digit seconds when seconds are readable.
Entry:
2,33,39
